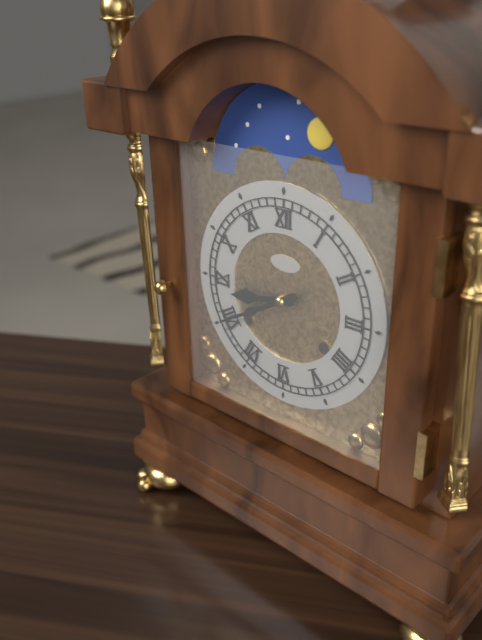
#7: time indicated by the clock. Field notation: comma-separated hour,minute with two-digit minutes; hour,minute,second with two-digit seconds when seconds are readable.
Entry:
8,40
